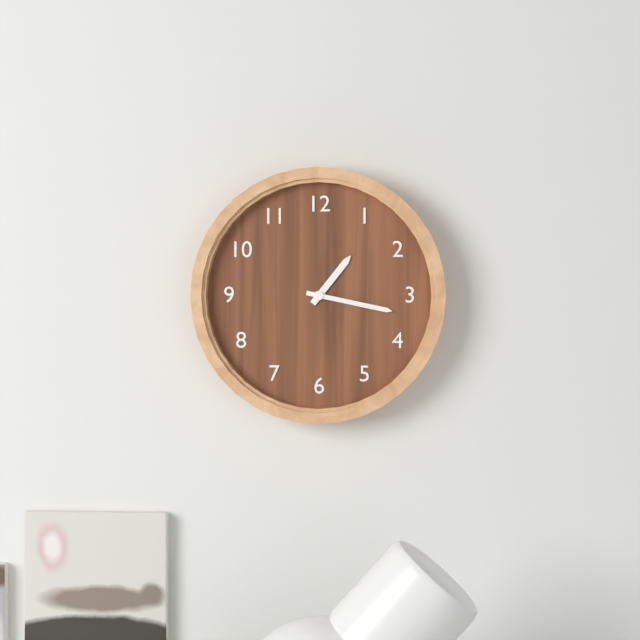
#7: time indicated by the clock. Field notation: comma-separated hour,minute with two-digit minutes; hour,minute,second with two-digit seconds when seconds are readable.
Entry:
1,17
